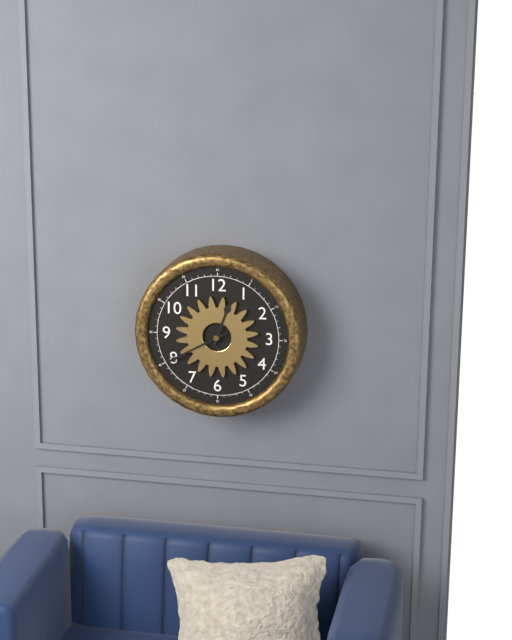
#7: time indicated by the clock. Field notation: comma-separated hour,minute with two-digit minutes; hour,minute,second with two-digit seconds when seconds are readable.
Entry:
12,40
